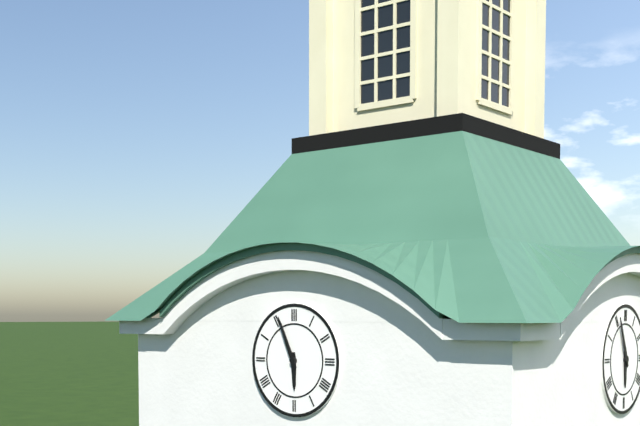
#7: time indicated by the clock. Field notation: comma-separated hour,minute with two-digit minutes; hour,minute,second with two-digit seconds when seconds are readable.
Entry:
5,56
